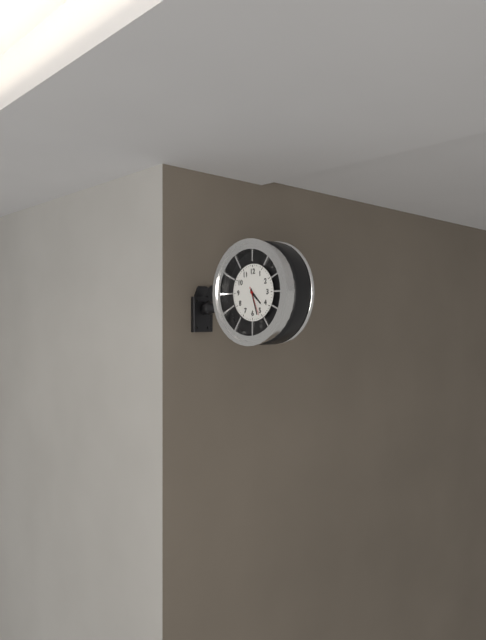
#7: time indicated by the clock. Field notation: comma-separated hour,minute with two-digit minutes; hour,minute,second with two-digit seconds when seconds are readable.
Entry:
4,27
